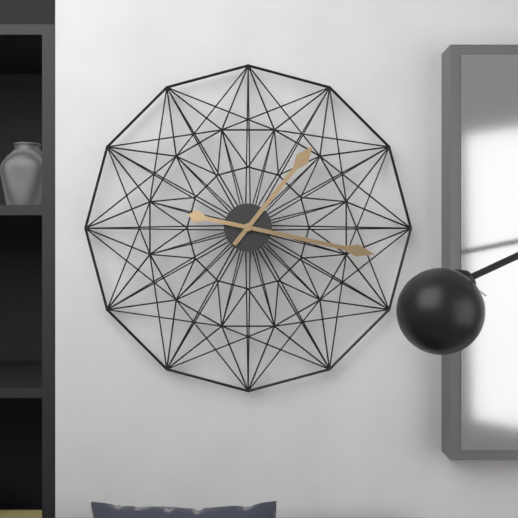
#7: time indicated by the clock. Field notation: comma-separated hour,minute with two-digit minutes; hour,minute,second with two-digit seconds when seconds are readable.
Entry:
1,17
